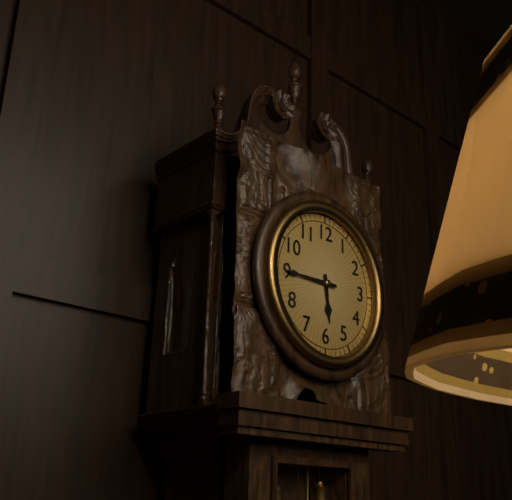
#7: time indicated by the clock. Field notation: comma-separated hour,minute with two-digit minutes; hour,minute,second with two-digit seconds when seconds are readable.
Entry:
5,45
